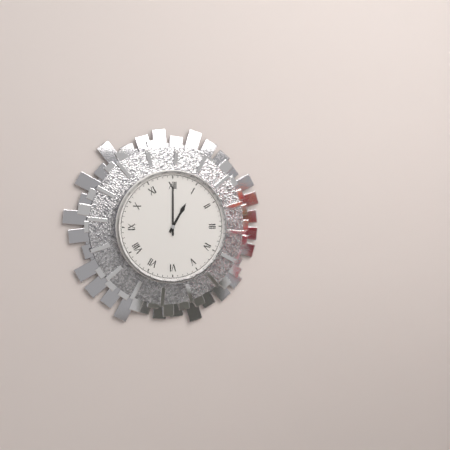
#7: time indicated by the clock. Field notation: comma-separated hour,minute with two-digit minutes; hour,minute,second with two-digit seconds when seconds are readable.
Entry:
1,00
